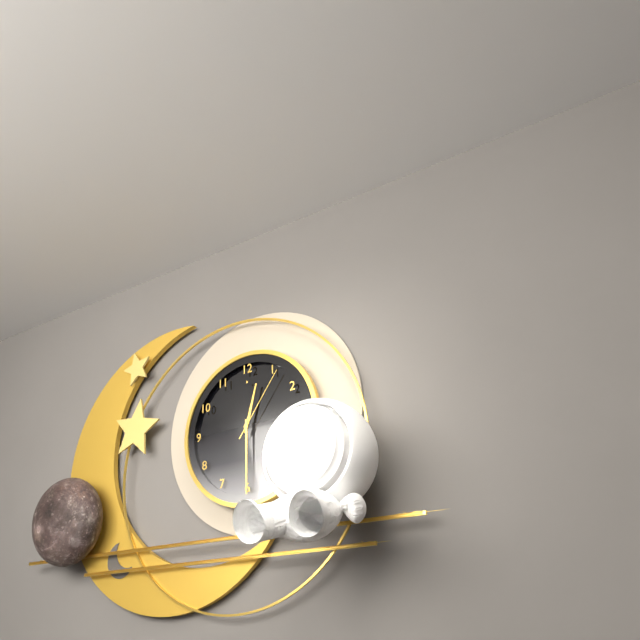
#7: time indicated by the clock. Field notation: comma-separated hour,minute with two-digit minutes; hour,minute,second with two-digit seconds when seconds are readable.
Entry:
12,30,06
